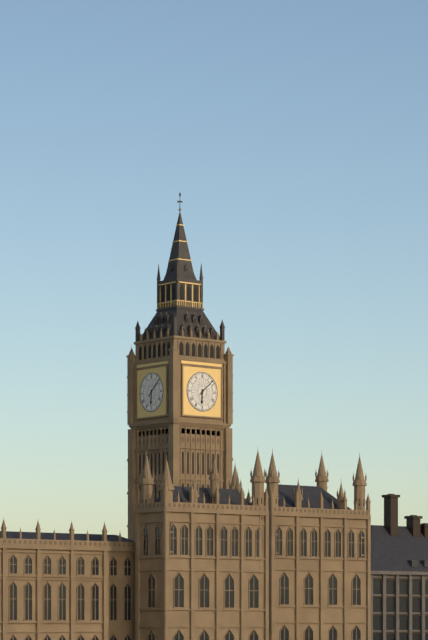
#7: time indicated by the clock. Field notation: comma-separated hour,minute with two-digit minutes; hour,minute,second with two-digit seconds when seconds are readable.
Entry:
6,08
